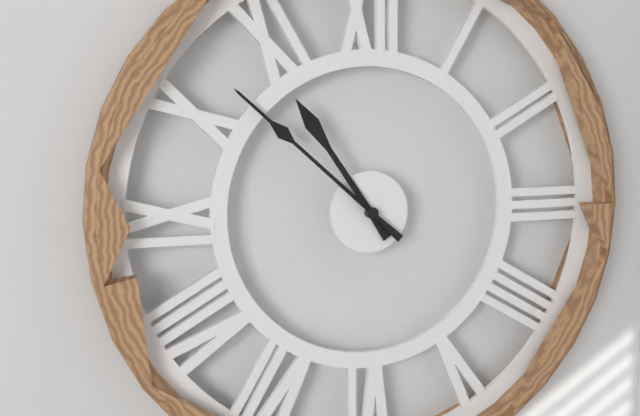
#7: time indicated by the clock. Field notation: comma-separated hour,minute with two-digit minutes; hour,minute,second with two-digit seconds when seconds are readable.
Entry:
10,52
